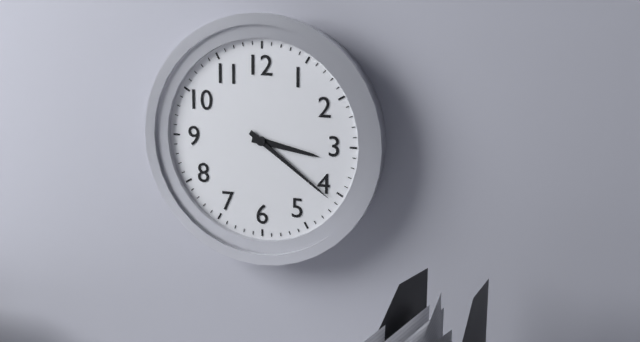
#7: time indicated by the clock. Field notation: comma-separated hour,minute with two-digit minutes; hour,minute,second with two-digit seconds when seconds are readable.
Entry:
3,21
